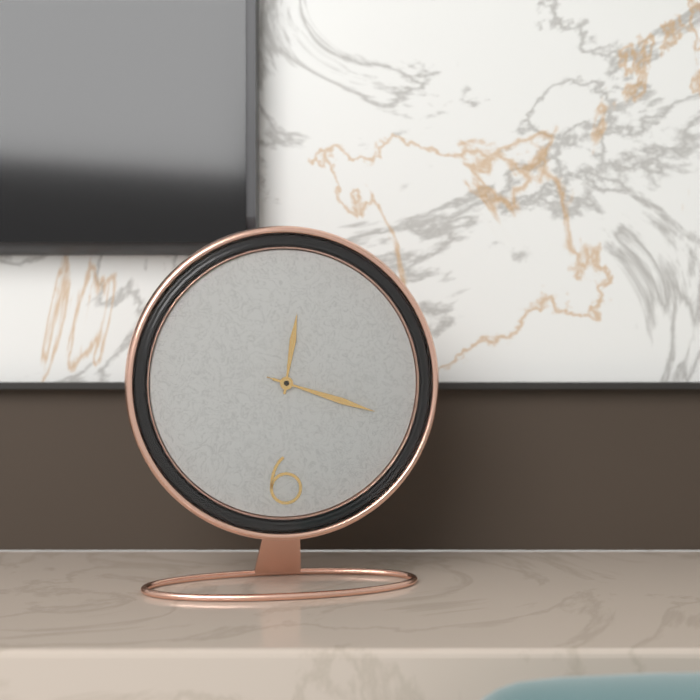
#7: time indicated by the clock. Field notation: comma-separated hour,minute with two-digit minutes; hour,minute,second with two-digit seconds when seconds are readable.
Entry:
12,18,18
